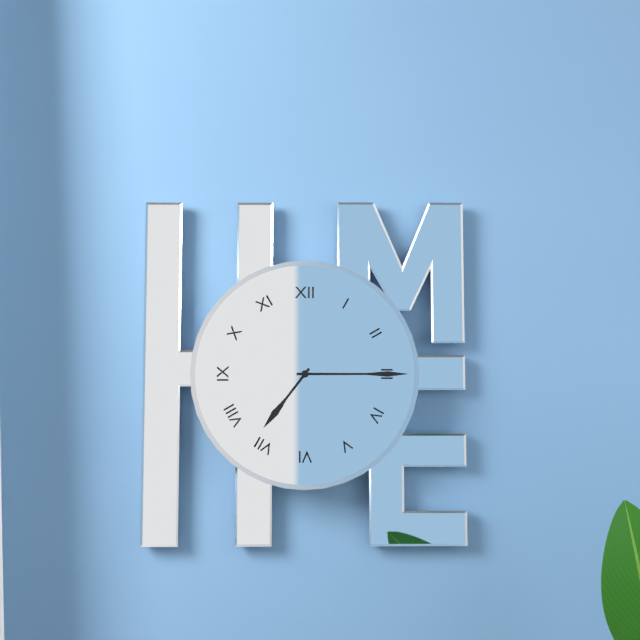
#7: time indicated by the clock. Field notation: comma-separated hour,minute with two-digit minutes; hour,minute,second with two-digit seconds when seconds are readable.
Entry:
7,15
